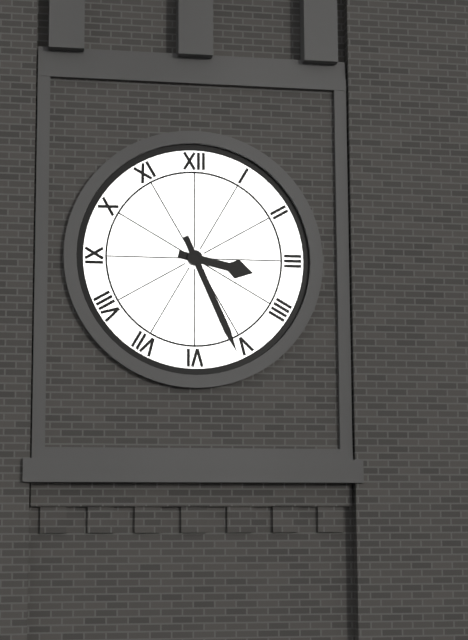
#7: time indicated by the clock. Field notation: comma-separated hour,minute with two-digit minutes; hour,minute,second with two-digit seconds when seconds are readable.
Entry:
3,26
